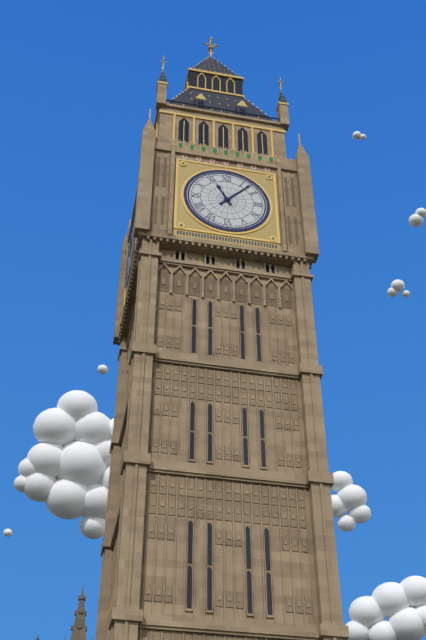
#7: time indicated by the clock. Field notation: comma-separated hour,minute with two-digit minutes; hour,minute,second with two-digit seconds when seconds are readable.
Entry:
11,07
